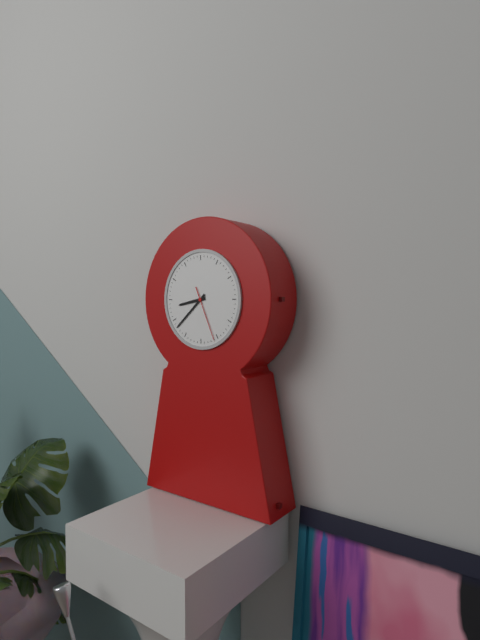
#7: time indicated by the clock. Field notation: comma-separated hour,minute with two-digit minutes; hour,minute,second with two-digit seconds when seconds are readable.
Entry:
8,38,26
